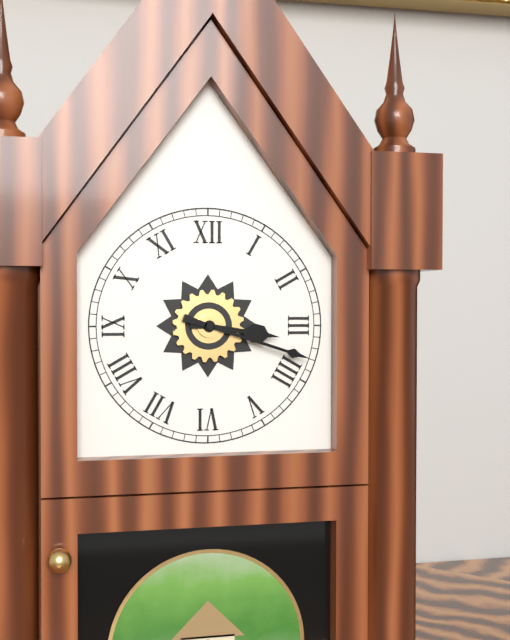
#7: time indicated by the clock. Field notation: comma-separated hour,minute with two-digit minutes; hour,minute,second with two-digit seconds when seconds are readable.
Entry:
3,18
